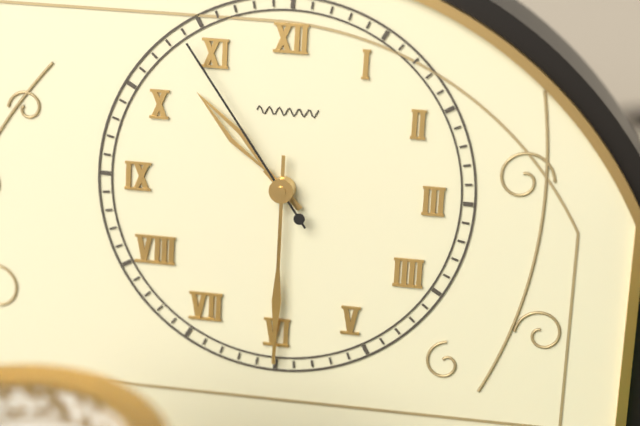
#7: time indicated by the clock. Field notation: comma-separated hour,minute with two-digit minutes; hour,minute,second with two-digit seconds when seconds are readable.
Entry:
10,30,54
